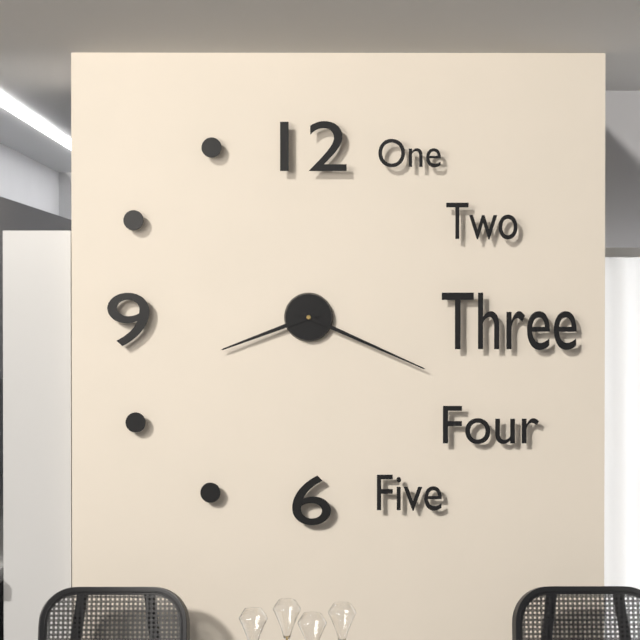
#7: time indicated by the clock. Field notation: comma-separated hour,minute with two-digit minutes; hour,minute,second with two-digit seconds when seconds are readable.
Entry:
8,19
